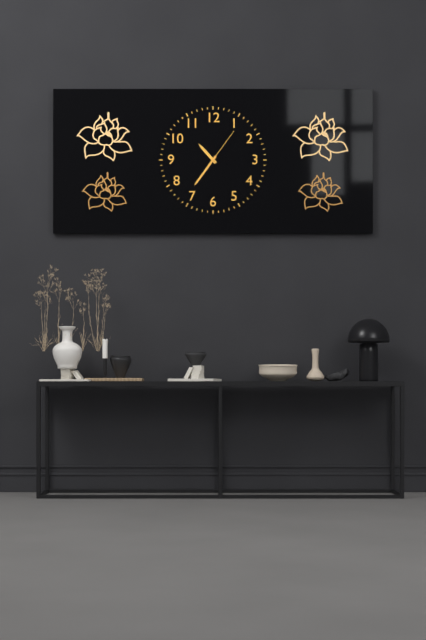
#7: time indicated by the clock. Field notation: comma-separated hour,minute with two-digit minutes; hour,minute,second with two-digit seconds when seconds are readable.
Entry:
10,36
